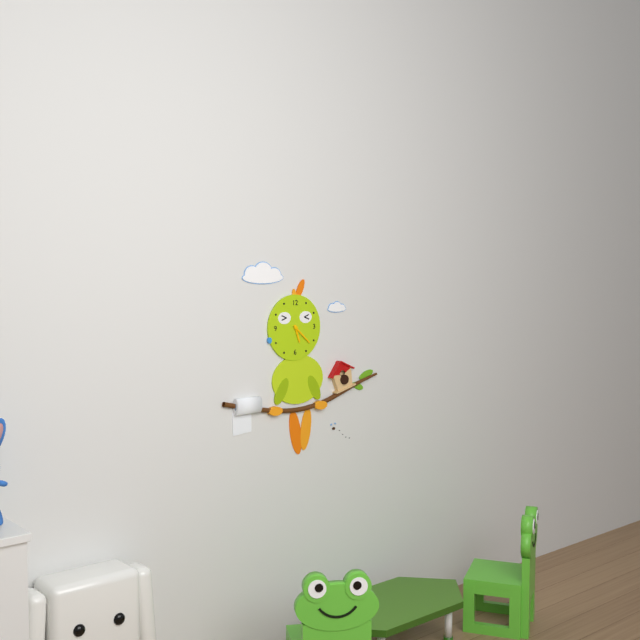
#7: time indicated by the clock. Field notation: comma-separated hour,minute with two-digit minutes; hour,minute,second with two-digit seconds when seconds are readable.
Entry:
5,22
